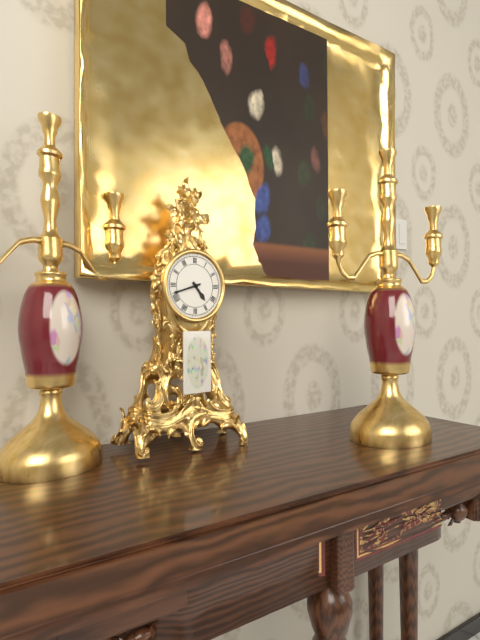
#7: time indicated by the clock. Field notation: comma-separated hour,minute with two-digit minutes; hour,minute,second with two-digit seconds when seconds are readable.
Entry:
4,42
